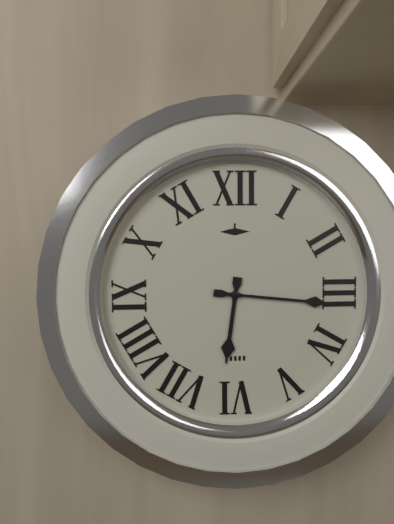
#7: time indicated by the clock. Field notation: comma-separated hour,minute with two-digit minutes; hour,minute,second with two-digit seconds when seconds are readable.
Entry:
6,16
